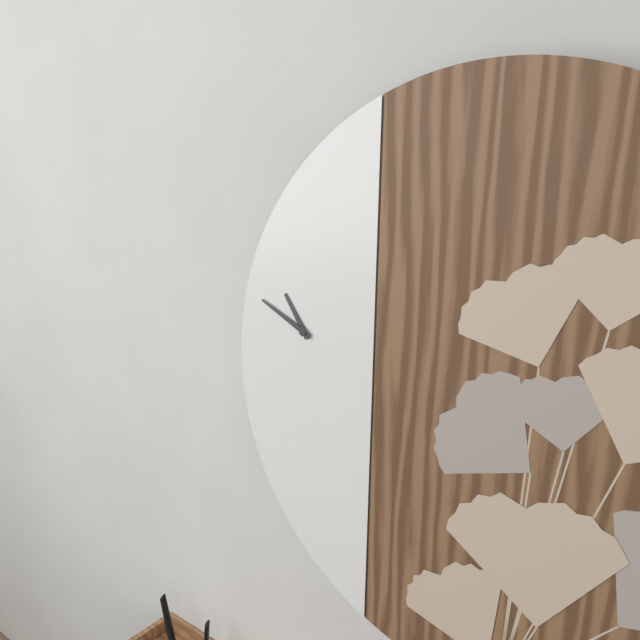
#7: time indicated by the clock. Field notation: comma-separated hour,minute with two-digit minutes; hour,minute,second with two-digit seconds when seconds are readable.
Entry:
10,49
